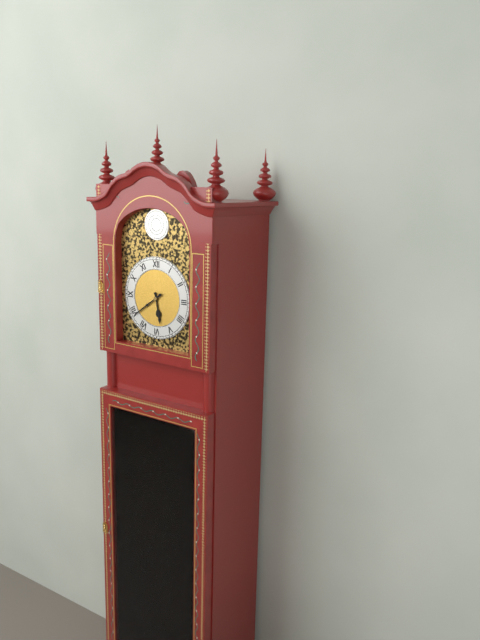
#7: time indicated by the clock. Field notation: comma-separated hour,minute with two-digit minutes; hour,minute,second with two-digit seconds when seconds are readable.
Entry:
5,39
